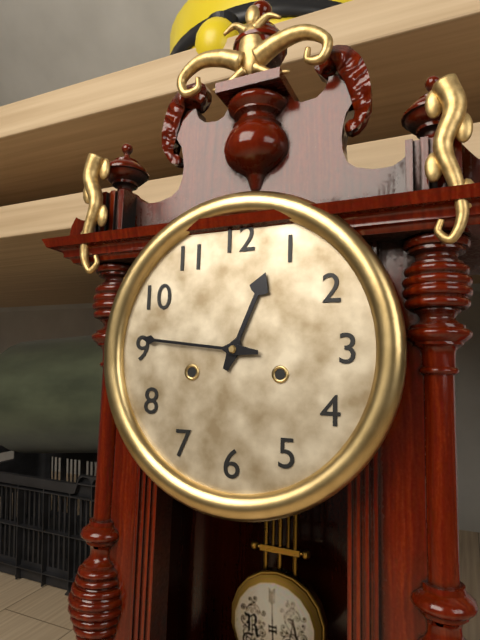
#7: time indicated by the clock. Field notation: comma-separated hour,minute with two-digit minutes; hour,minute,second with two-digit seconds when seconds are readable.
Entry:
12,46
